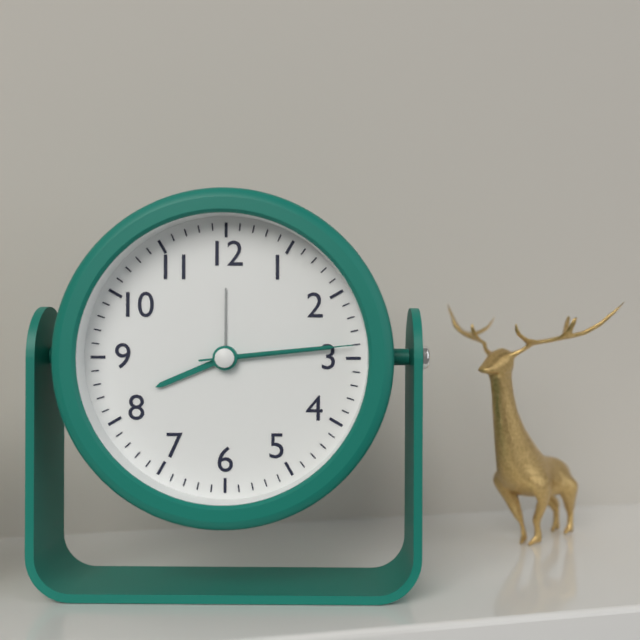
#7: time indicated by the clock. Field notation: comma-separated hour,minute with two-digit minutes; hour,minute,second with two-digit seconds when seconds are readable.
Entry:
8,14,14
